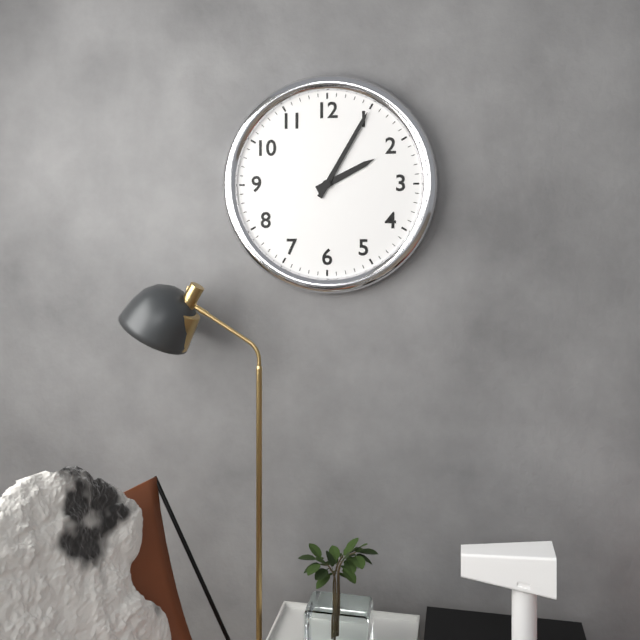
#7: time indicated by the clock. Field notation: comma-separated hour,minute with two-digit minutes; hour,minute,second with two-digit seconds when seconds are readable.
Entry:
2,05
